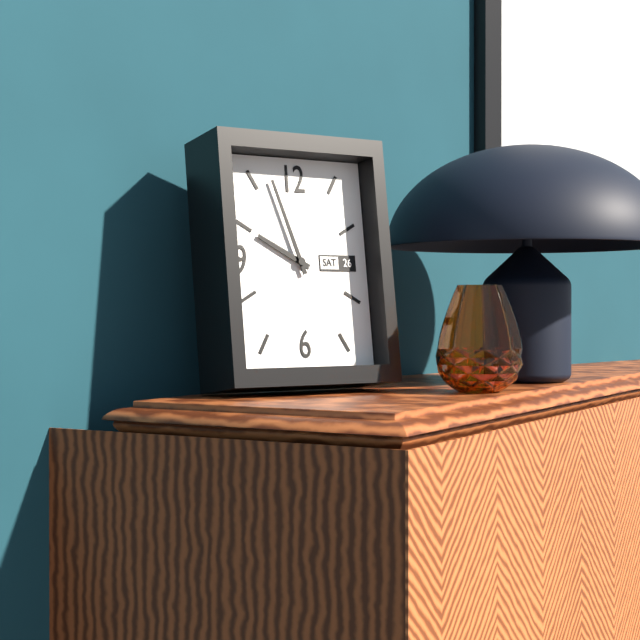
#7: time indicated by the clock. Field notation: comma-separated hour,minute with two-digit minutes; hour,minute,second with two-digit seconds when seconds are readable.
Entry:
9,57
